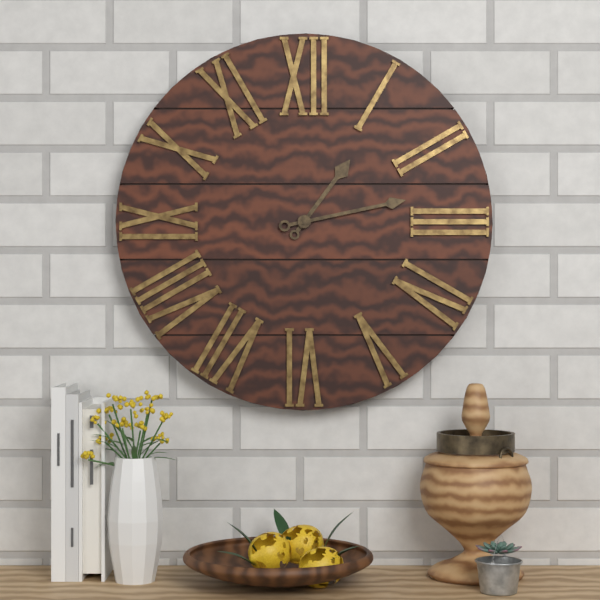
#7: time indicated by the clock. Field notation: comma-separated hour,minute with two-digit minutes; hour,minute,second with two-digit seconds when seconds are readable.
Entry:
1,13
